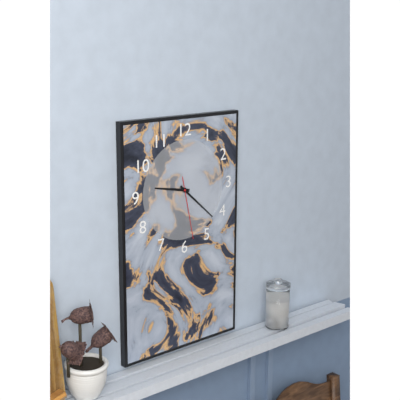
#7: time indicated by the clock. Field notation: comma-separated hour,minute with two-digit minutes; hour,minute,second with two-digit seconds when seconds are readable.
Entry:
9,22,28
